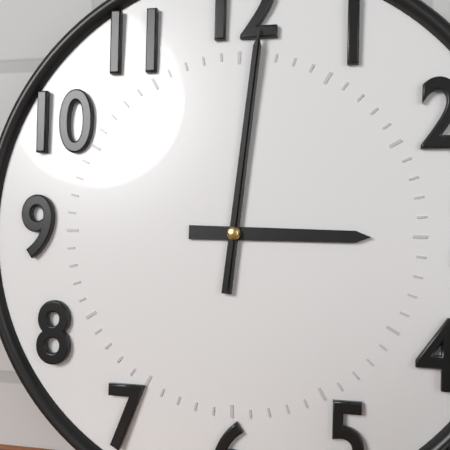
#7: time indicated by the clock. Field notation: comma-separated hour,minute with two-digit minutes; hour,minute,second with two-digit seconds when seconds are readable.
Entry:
3,01,01
